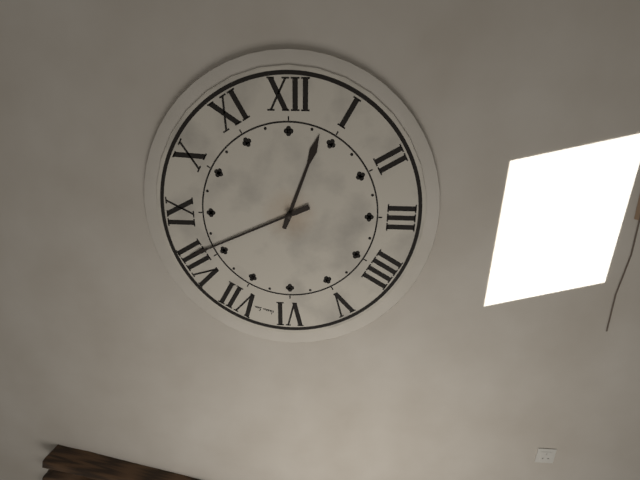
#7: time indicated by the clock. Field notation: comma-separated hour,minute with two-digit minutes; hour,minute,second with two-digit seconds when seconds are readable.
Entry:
12,41
